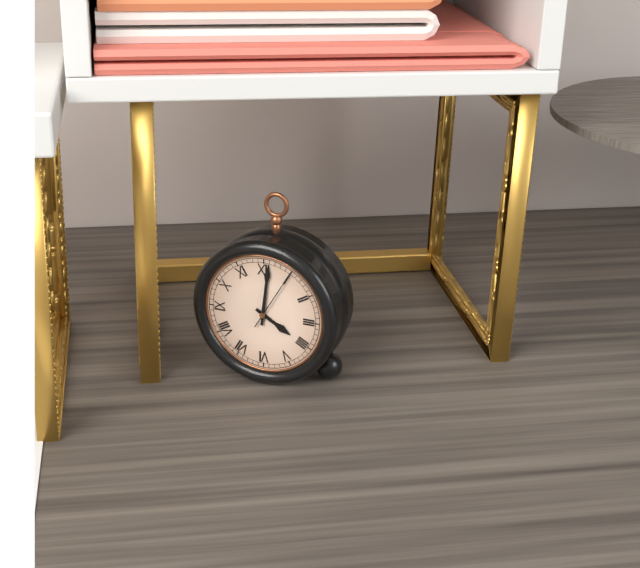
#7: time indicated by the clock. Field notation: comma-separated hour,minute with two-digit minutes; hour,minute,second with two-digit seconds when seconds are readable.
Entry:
4,01,05
